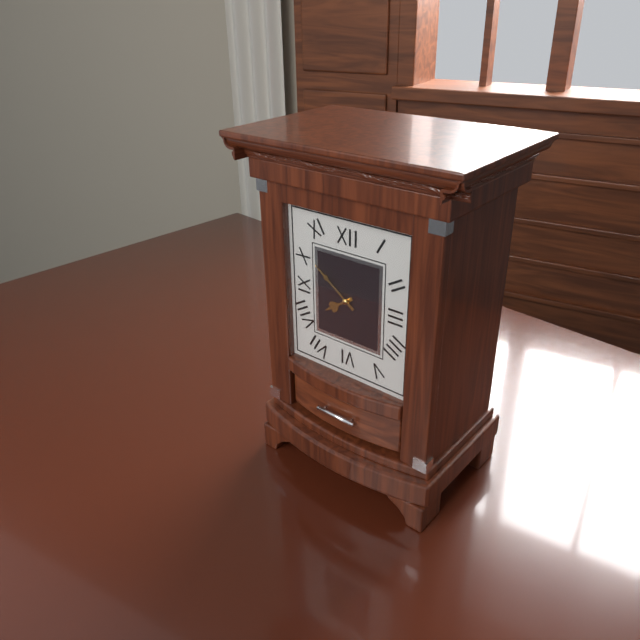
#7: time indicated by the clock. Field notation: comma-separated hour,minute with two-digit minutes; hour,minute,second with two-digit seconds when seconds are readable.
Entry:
7,51
